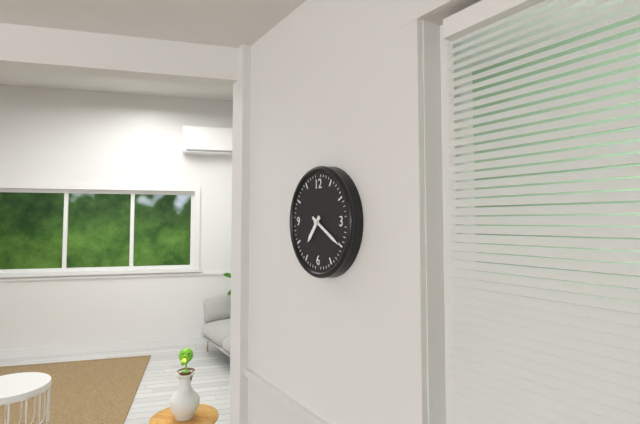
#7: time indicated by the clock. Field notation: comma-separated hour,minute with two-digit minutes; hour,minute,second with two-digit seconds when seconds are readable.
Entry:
7,20
